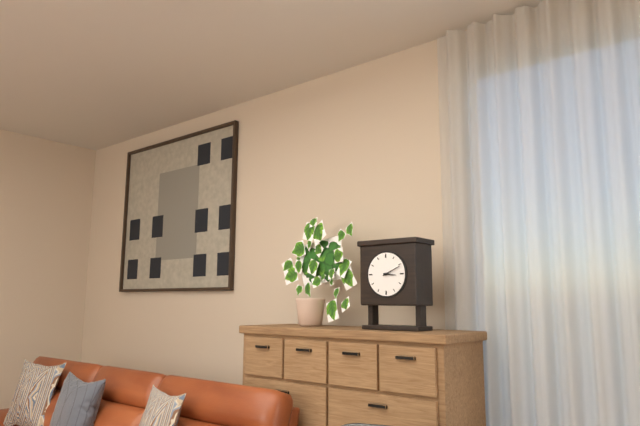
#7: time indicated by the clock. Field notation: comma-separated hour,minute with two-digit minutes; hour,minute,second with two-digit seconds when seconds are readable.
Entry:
3,11
